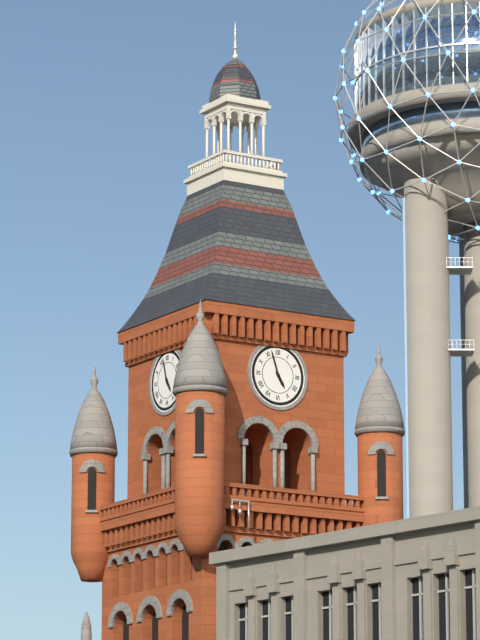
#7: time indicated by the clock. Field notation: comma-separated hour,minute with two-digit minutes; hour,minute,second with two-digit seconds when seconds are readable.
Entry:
4,57
